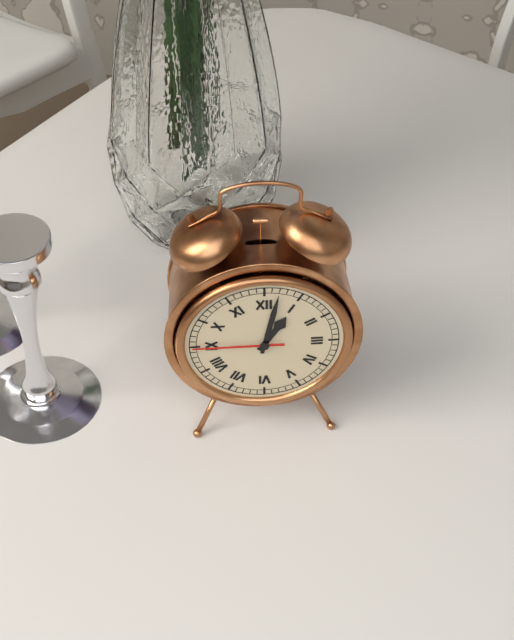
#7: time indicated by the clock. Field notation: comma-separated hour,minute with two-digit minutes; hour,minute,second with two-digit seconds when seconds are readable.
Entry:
1,02,45
